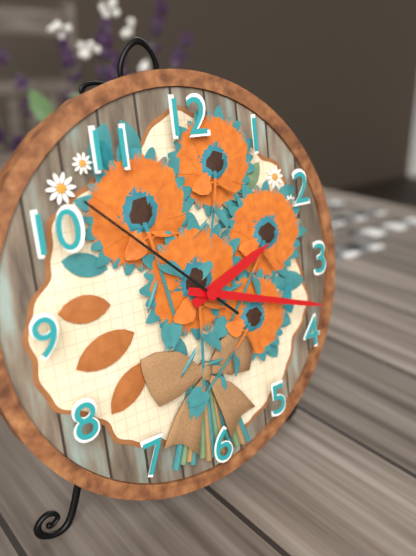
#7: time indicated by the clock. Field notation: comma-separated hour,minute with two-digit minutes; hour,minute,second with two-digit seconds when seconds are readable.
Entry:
2,18,52
